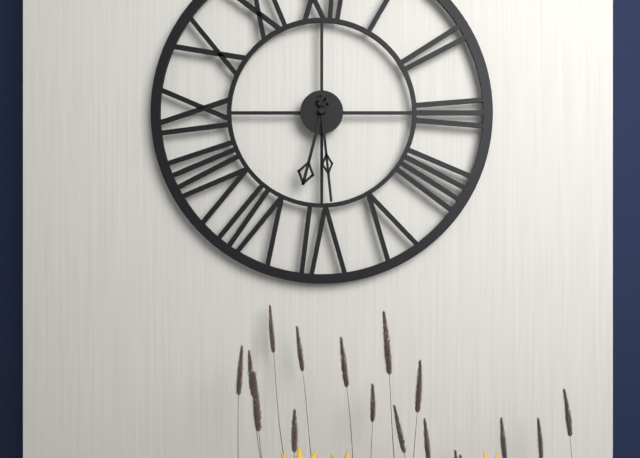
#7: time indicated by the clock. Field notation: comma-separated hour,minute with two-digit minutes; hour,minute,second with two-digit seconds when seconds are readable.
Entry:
6,29
